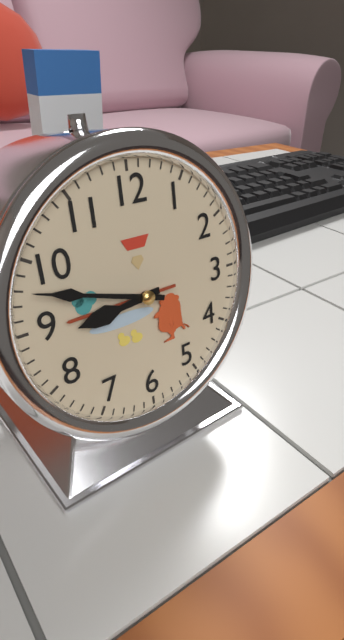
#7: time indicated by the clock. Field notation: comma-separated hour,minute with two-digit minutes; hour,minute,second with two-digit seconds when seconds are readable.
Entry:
8,48
